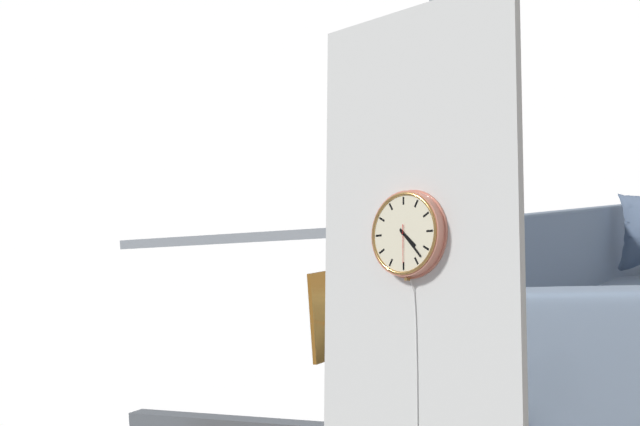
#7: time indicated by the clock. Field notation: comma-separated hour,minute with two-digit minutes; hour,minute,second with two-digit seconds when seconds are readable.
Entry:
4,23
